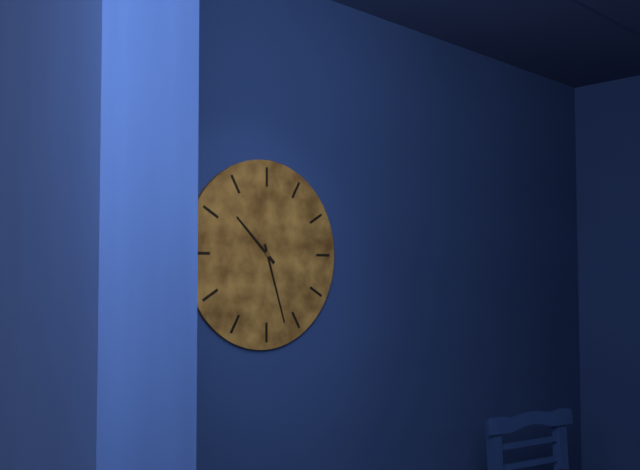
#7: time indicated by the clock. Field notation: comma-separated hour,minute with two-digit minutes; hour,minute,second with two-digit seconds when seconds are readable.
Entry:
10,27
